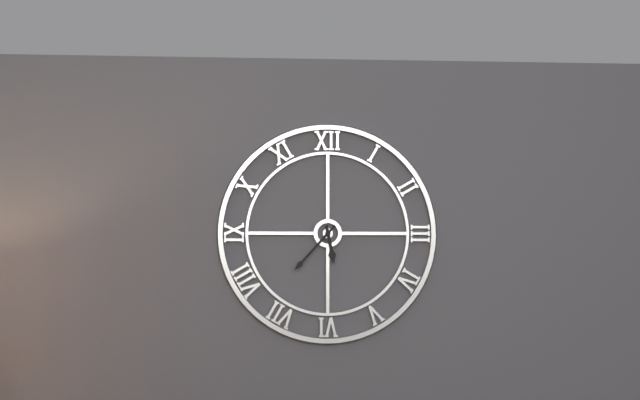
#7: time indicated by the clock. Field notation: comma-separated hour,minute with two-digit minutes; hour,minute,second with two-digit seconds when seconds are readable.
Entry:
5,37
